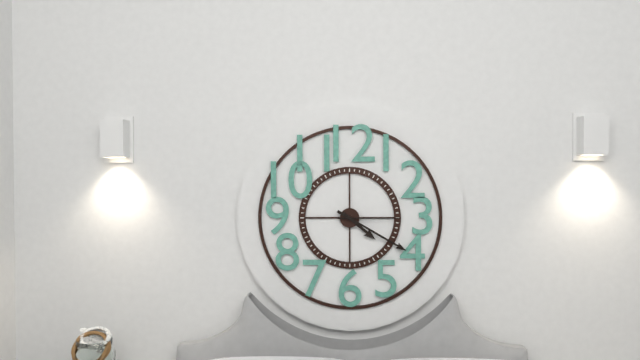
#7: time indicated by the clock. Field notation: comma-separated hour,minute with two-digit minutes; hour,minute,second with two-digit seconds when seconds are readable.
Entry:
4,20,15
